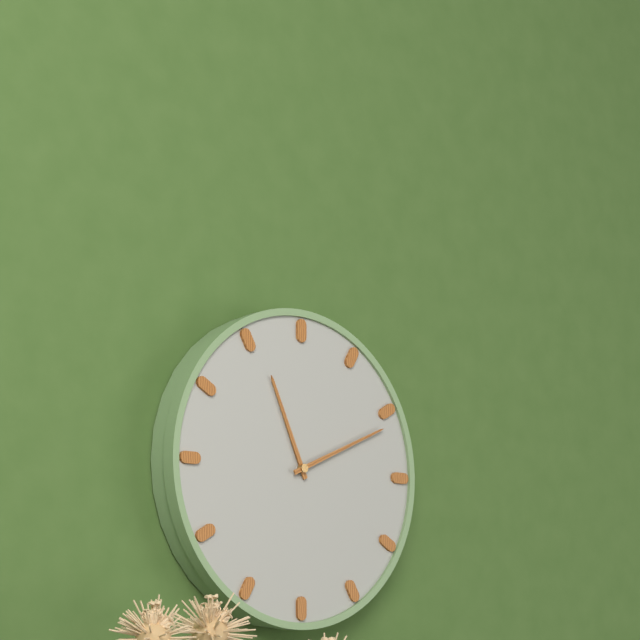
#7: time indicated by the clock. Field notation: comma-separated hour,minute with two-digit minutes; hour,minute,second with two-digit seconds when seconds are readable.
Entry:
11,11
